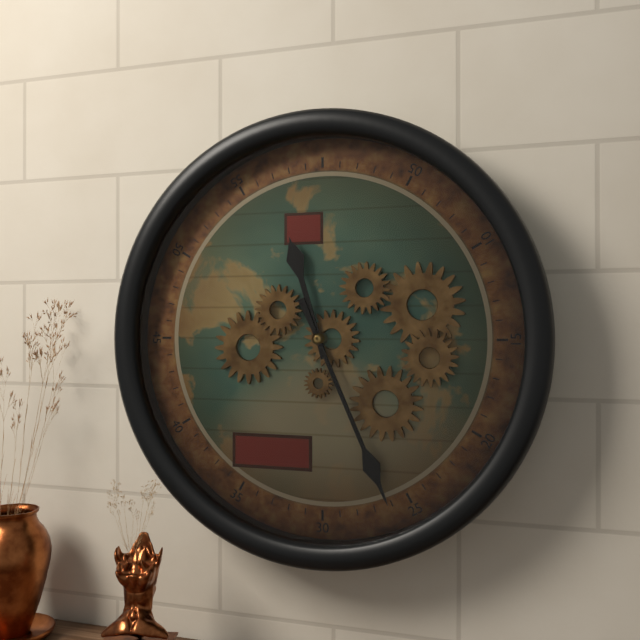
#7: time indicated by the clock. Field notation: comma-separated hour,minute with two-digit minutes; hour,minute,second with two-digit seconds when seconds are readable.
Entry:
11,26
